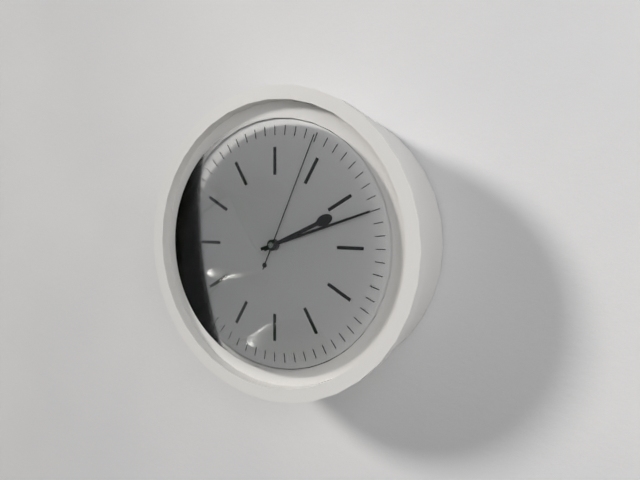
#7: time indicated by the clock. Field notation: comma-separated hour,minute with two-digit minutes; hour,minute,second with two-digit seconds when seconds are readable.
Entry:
2,12,04
